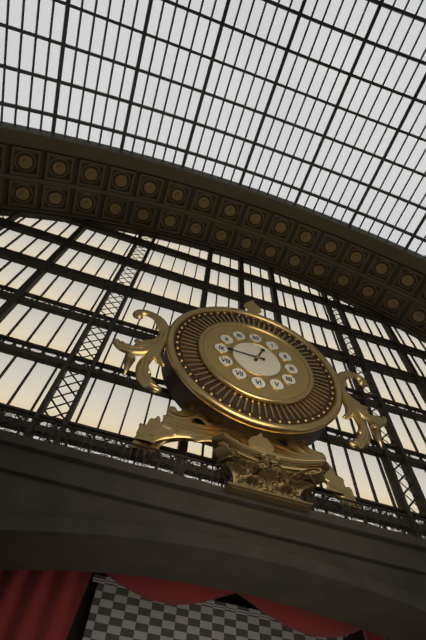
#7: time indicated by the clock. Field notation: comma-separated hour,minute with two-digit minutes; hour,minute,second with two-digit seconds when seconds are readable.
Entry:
12,45
